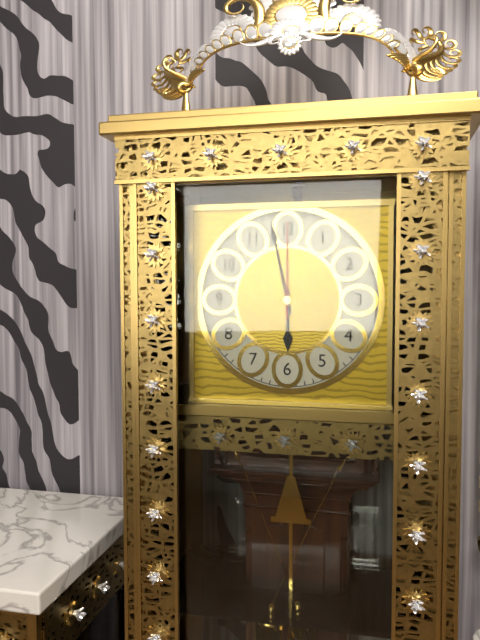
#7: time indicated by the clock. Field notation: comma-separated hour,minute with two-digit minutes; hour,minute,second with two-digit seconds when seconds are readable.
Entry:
5,58,00
